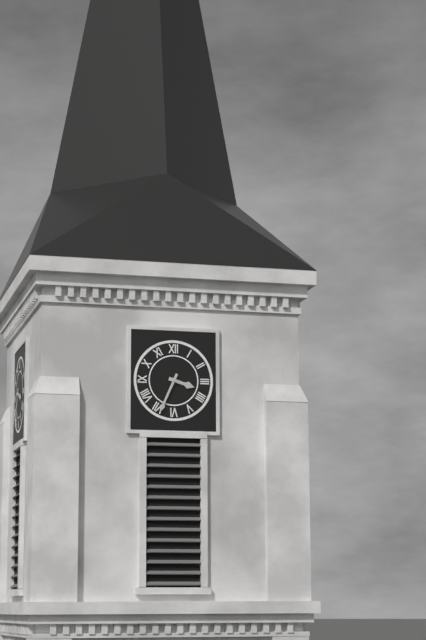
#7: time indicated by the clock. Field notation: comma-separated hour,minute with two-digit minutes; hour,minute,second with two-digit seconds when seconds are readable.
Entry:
3,34
